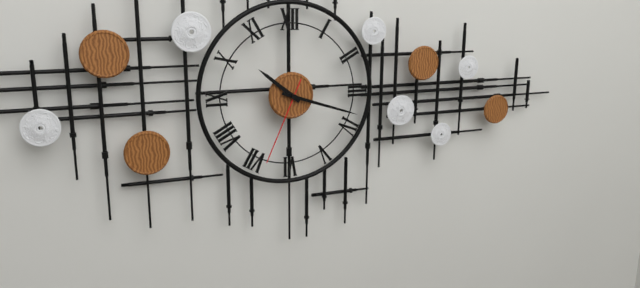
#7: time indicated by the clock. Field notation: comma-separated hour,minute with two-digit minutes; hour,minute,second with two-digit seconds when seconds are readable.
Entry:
10,18,34
